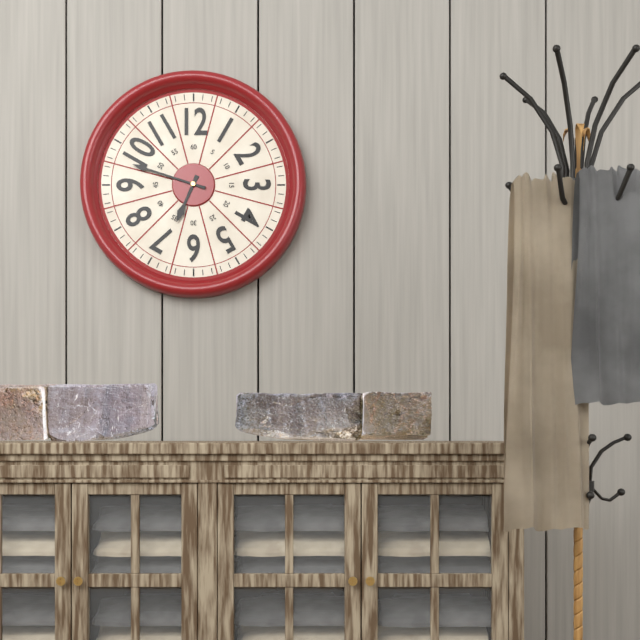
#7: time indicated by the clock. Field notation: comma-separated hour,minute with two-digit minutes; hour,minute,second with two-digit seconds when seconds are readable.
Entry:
6,48
